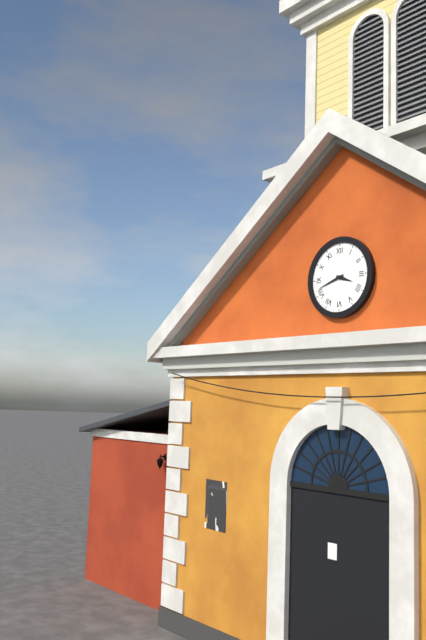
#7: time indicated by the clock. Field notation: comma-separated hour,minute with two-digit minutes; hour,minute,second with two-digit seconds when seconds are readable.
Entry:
3,42
